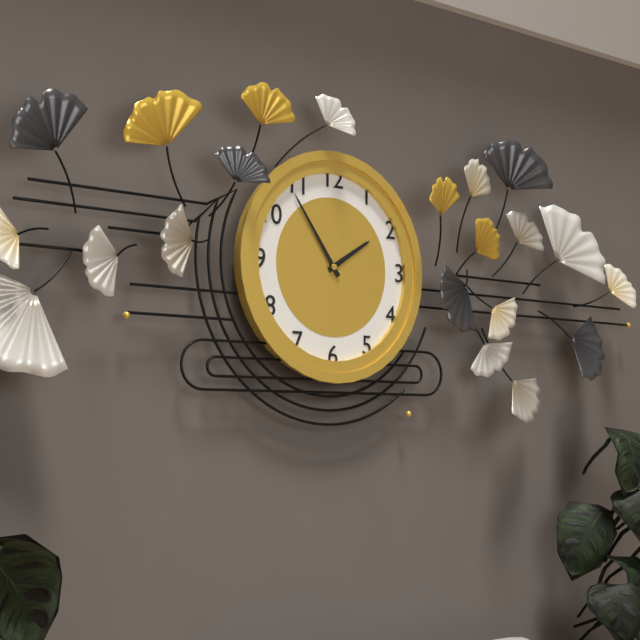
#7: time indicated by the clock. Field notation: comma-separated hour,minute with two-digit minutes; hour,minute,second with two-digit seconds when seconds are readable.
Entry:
1,54
